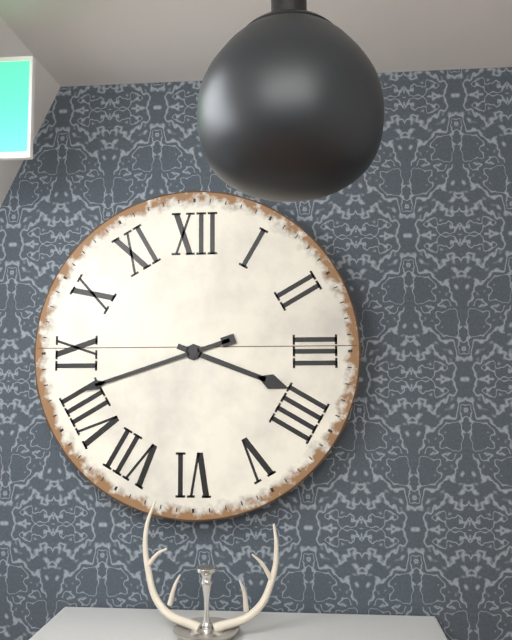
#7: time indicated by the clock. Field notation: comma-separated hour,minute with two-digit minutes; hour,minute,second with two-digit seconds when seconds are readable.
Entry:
3,42
